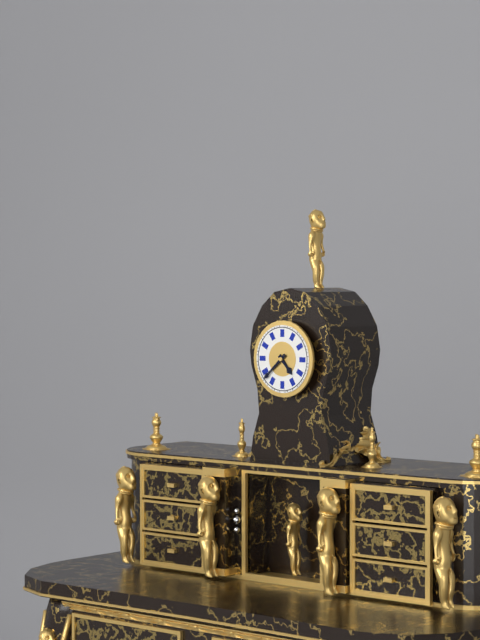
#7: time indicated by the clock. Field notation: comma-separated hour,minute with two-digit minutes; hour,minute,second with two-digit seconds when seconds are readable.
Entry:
4,38
